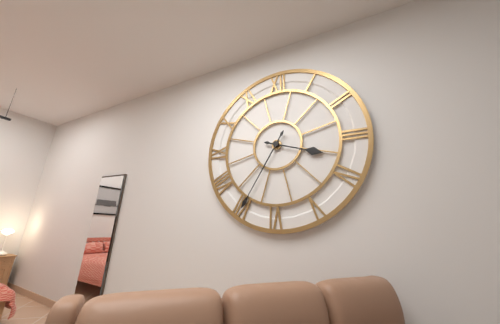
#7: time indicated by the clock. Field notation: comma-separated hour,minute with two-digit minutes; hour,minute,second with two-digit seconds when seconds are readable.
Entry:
3,35
